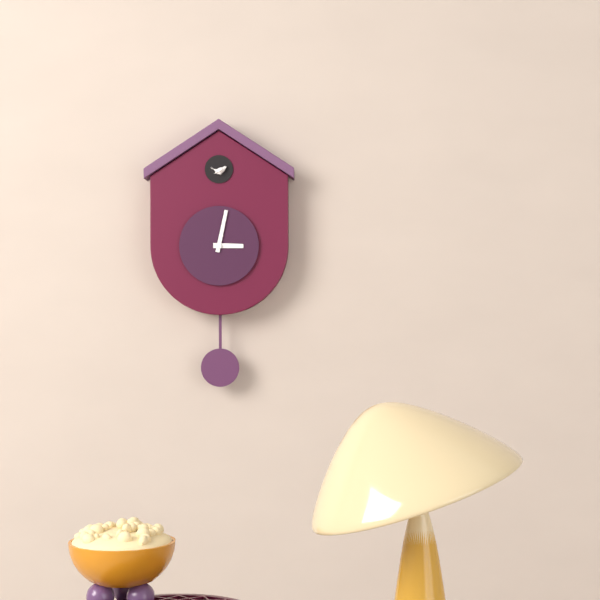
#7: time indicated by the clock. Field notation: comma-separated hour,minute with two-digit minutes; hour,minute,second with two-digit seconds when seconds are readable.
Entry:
3,02
